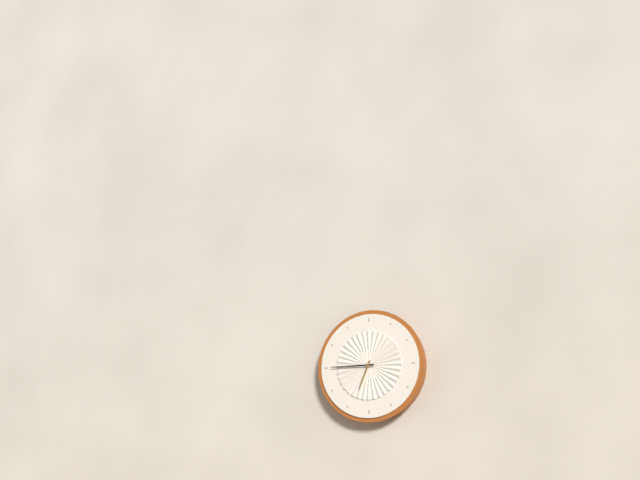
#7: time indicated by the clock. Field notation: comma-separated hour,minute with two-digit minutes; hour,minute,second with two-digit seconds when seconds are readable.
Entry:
6,45
